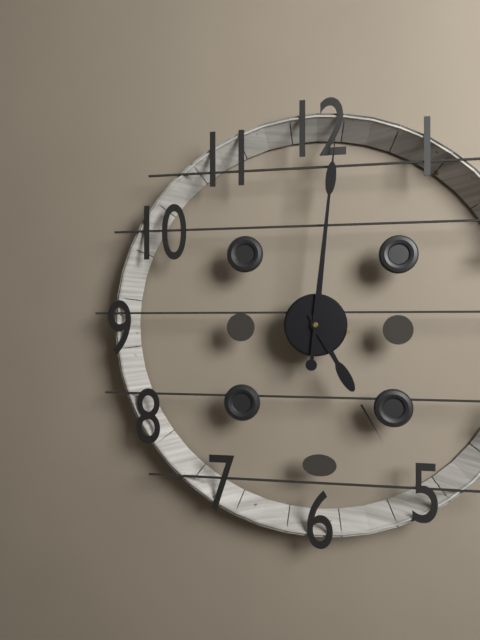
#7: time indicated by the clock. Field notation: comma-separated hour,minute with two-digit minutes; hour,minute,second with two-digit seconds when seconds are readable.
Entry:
5,01
